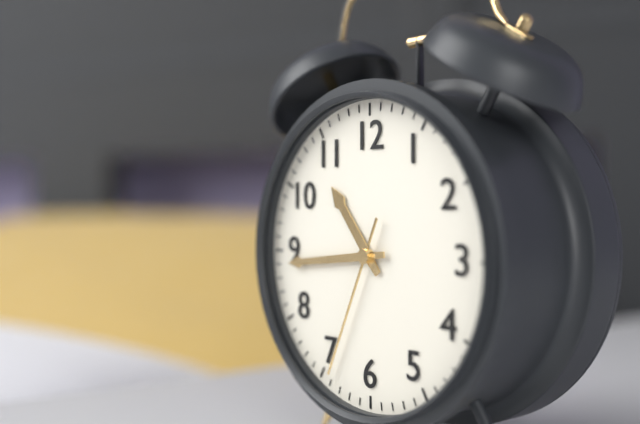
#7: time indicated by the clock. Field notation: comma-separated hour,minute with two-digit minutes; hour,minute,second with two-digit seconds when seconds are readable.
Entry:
10,44,34
